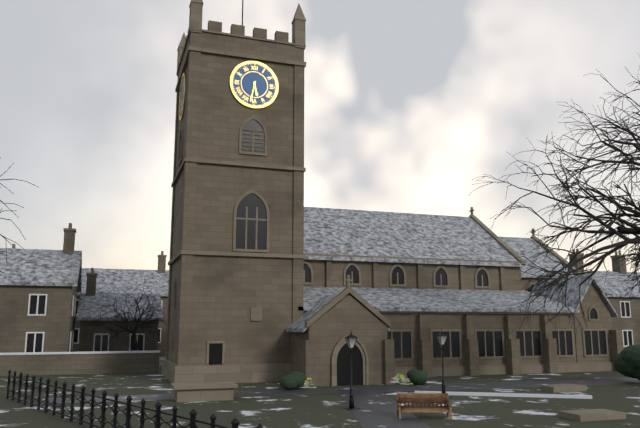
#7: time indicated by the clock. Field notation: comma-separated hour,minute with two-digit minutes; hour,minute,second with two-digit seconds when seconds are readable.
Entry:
5,32
